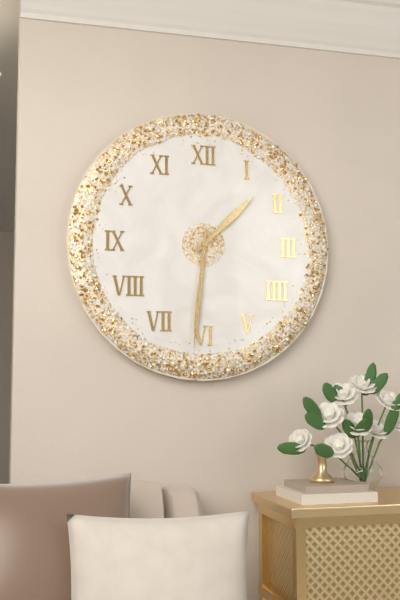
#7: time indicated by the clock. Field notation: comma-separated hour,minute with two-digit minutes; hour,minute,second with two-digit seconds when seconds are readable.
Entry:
1,31
